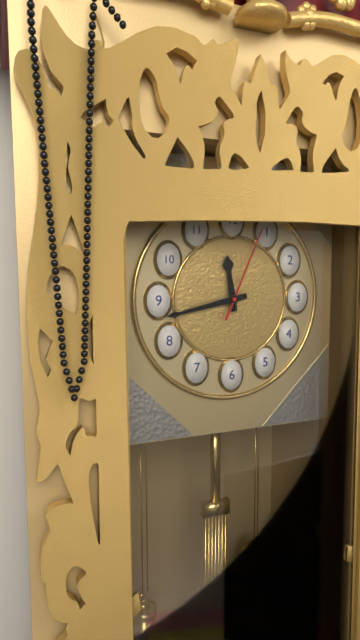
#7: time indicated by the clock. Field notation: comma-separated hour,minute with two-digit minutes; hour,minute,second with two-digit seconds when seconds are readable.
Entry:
11,43,04
